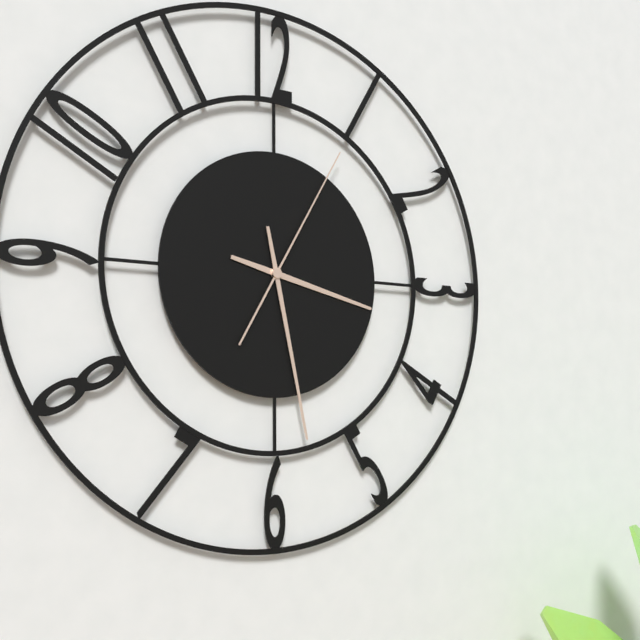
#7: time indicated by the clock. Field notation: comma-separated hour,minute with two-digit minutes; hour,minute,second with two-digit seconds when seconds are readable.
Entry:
3,28,05
